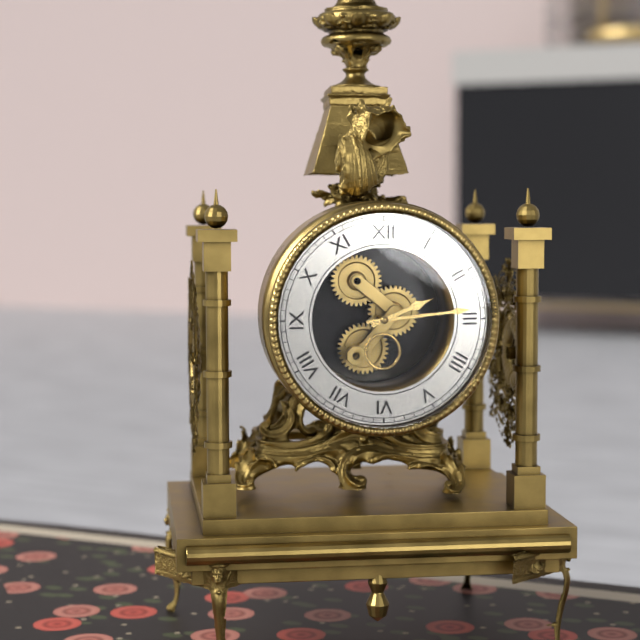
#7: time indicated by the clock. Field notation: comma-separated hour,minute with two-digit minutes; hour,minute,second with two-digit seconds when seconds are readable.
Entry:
2,14
